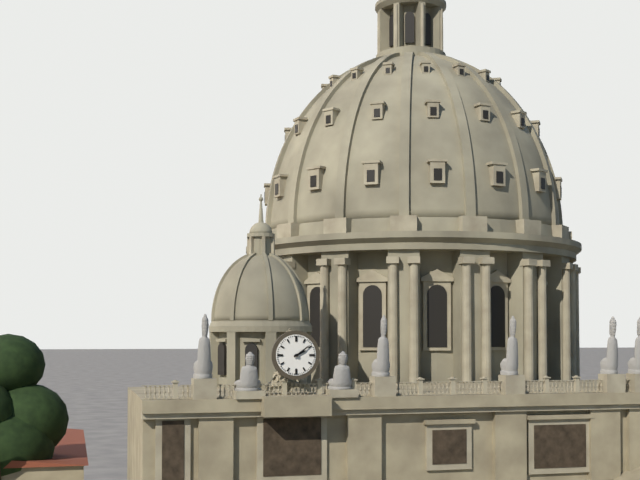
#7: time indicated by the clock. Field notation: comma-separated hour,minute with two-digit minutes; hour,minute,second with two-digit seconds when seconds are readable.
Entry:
2,09
